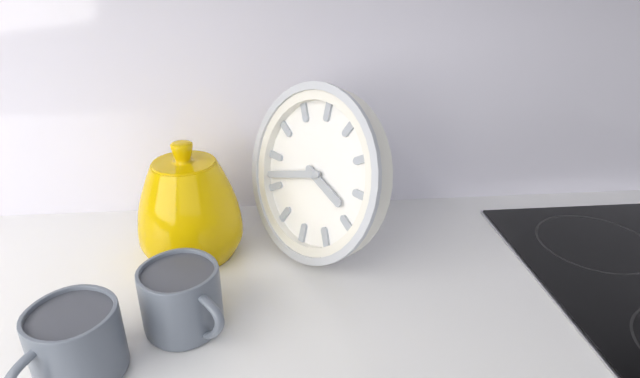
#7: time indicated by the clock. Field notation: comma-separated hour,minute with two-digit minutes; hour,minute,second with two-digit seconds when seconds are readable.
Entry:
3,42
